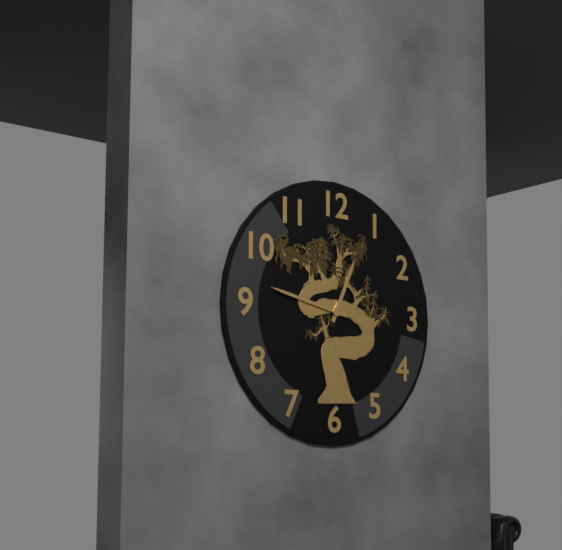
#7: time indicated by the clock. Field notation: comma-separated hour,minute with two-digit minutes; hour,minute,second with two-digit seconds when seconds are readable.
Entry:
12,47
